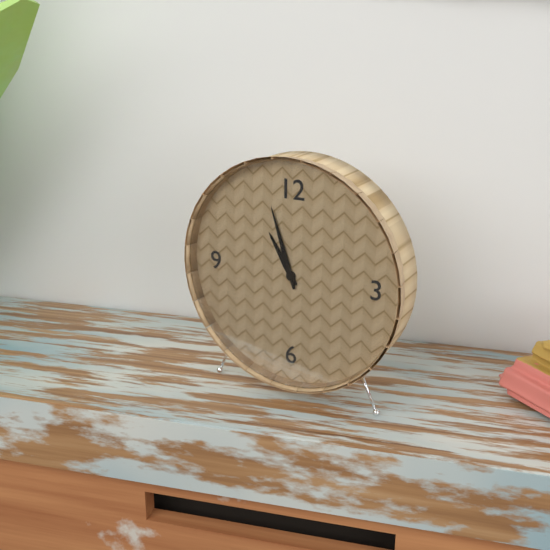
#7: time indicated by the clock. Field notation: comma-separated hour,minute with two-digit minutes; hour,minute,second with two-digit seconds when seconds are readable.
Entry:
10,57
